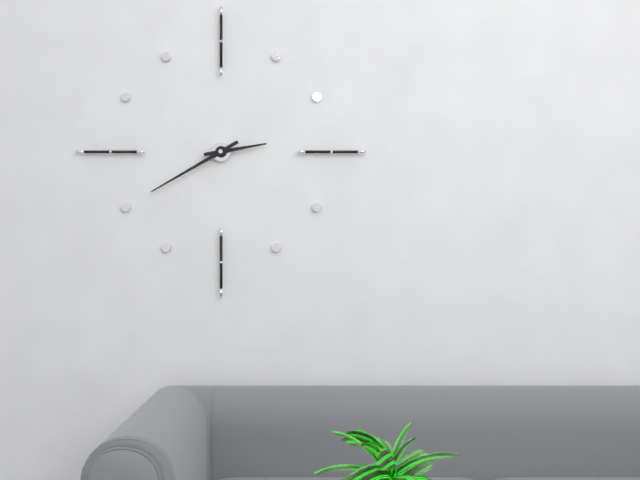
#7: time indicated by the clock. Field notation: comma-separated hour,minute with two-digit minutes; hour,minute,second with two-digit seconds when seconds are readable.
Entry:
2,40
